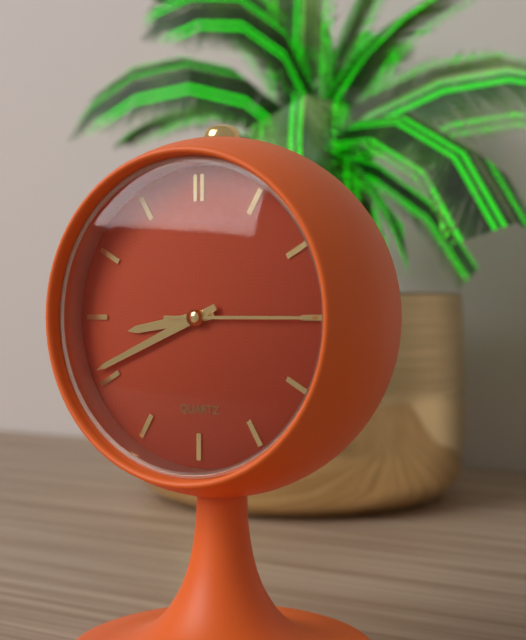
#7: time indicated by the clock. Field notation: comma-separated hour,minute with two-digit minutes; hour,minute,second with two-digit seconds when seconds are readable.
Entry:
8,41,15
